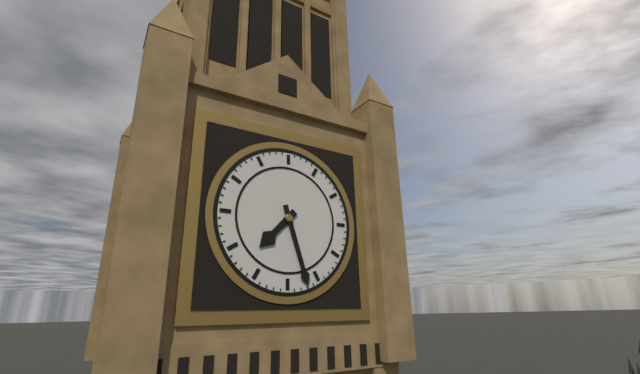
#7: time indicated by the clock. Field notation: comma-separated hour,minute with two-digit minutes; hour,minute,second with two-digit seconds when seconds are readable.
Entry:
7,27
